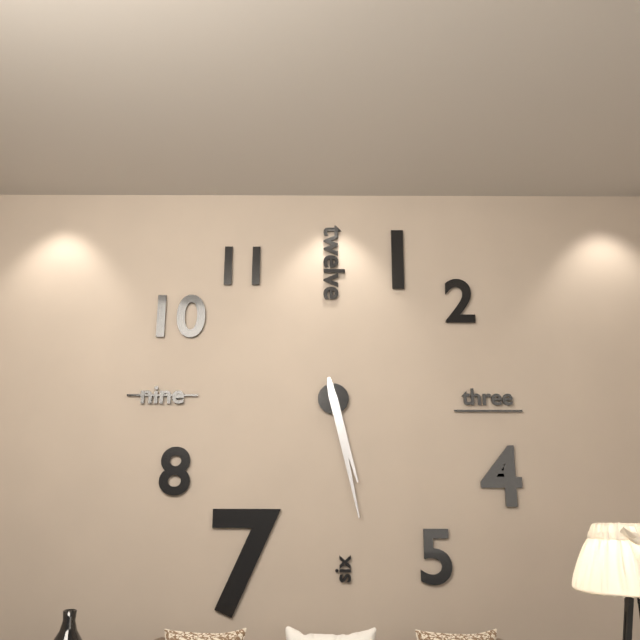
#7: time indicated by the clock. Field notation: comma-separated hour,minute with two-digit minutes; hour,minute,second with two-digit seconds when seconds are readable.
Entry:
5,28
